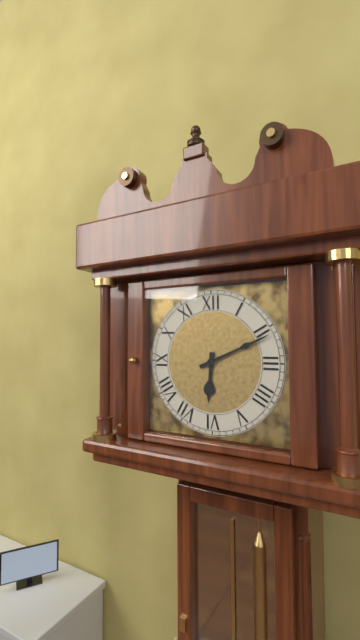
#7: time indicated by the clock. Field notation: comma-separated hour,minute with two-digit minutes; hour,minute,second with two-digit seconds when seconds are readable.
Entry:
6,11
